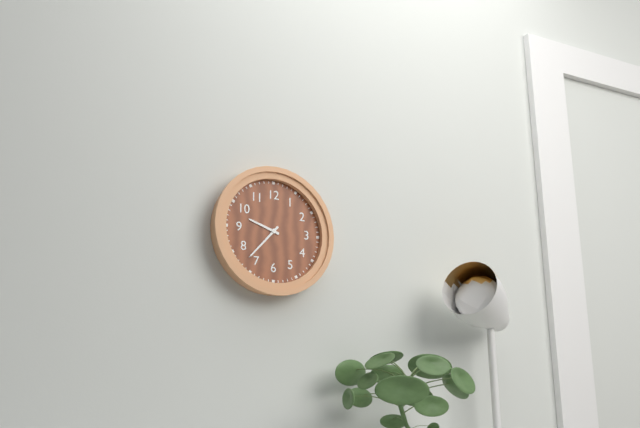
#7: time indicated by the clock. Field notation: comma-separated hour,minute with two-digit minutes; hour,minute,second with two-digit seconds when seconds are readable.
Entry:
9,37
